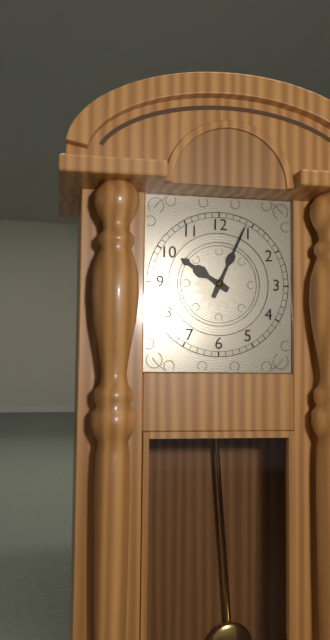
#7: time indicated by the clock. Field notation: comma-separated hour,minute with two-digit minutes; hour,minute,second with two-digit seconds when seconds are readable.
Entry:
10,04
